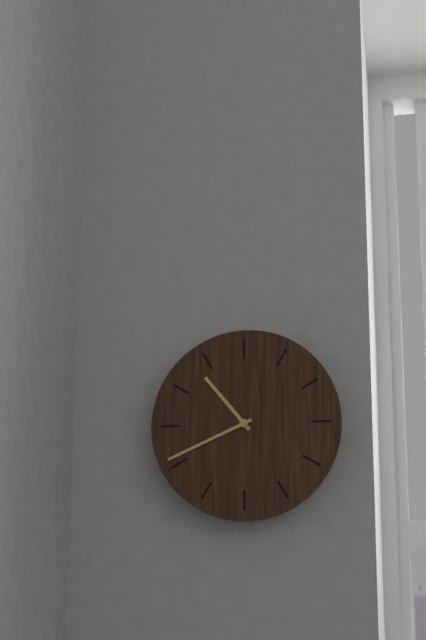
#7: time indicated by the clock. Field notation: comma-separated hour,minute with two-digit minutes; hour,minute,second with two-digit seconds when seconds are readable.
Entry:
10,41
